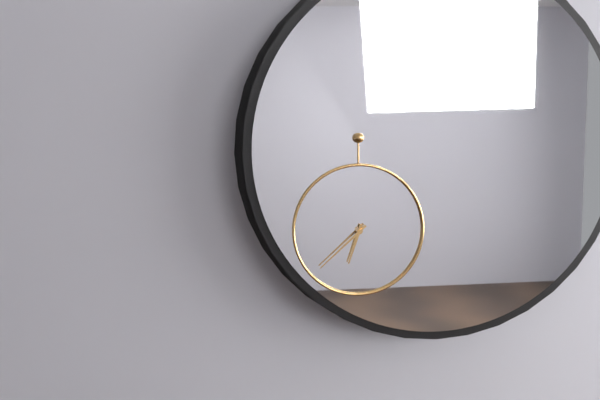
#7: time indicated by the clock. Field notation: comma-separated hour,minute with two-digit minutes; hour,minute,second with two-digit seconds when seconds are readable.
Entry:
6,38
